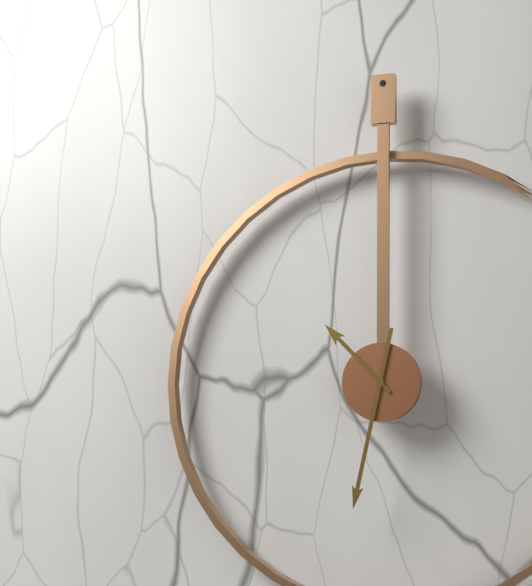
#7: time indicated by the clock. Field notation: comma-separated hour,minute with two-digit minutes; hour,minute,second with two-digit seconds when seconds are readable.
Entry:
10,32
